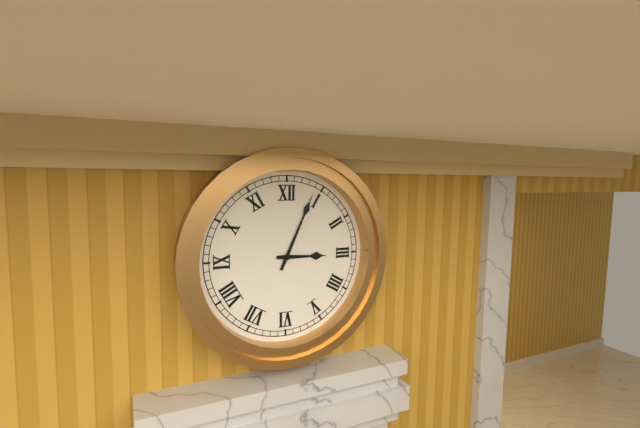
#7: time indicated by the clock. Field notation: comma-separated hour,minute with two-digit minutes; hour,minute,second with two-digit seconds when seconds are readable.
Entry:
3,04
